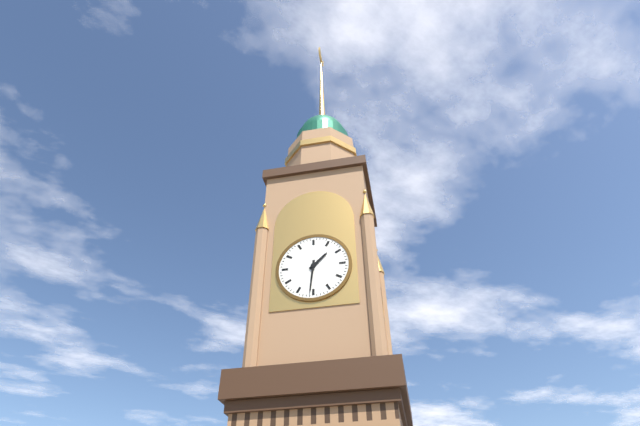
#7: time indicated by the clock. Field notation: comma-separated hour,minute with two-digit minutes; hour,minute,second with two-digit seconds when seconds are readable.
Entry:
1,31
